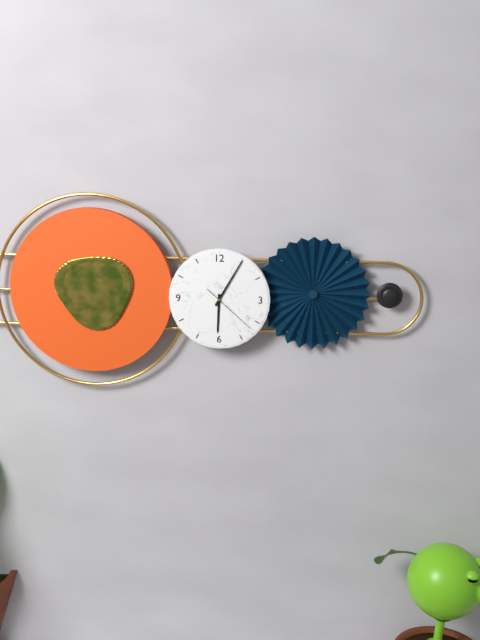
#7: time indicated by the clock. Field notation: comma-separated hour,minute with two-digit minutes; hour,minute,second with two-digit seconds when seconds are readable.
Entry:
6,05,22
